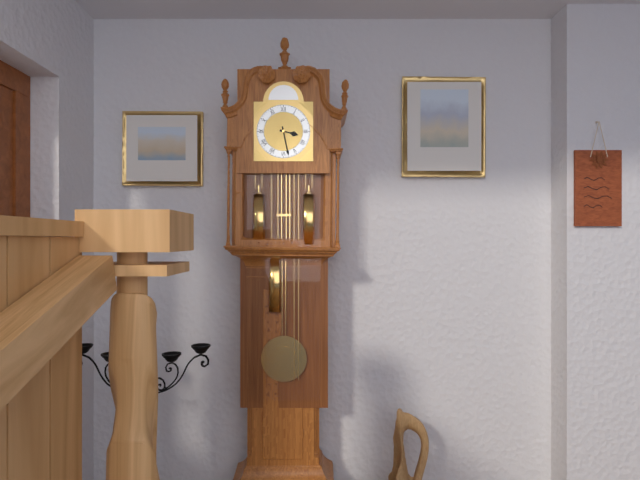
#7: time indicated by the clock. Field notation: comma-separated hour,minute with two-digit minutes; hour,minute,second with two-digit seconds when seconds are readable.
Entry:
3,28
